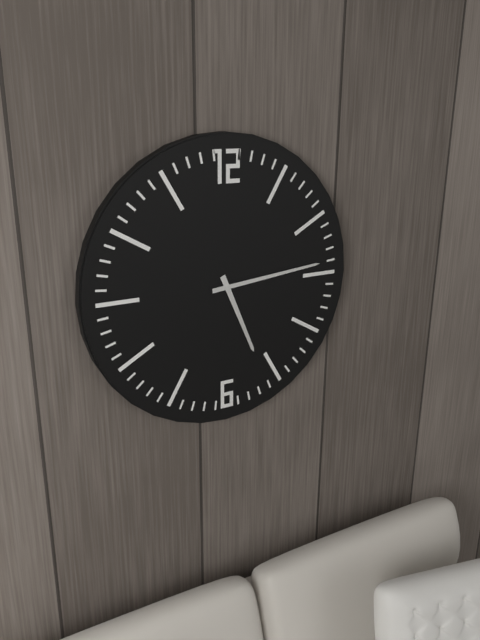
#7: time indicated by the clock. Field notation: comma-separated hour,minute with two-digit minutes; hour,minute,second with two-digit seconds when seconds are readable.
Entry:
5,14
